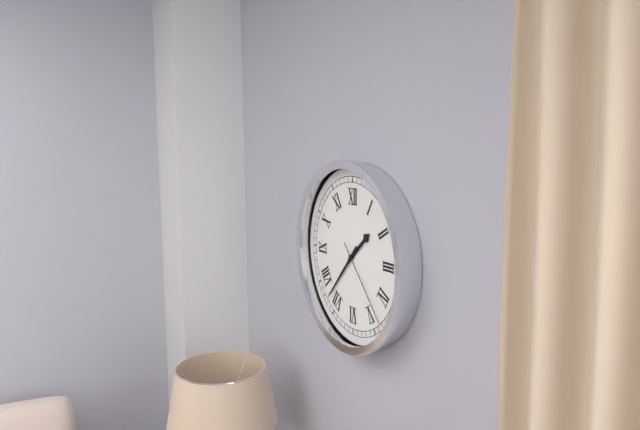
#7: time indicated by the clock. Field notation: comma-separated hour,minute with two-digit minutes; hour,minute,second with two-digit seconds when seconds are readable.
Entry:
1,37,23
